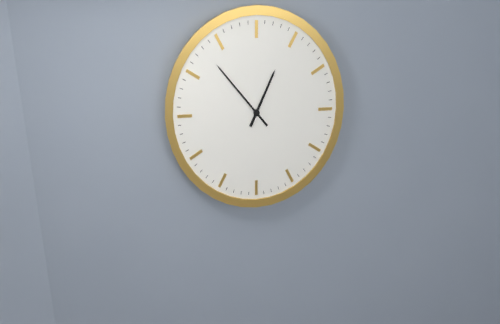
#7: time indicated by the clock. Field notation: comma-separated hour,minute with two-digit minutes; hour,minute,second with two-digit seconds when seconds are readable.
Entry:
12,53
